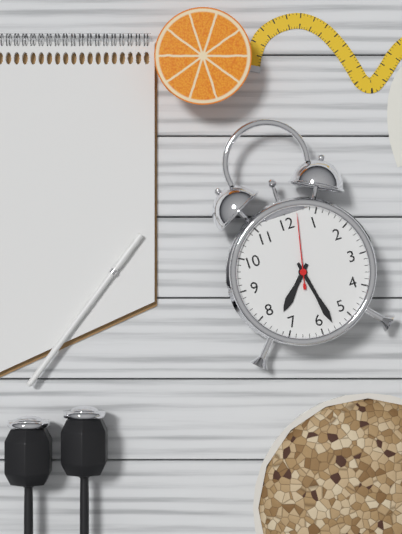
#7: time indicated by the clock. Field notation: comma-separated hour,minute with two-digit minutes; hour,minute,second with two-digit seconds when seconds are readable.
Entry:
7,28,02
